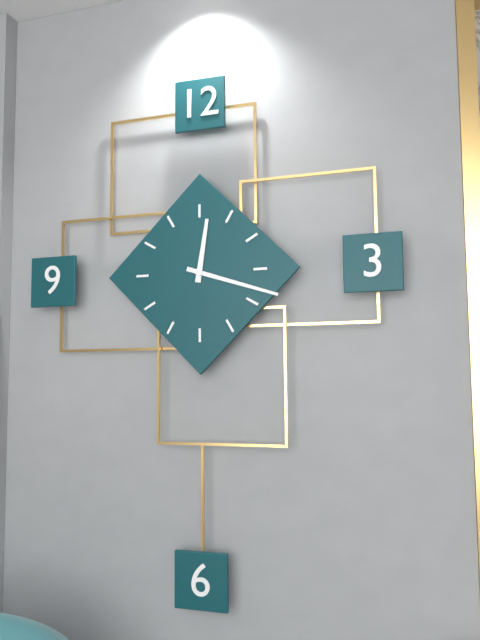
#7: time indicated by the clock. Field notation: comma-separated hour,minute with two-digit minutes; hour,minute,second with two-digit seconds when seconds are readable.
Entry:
12,18
